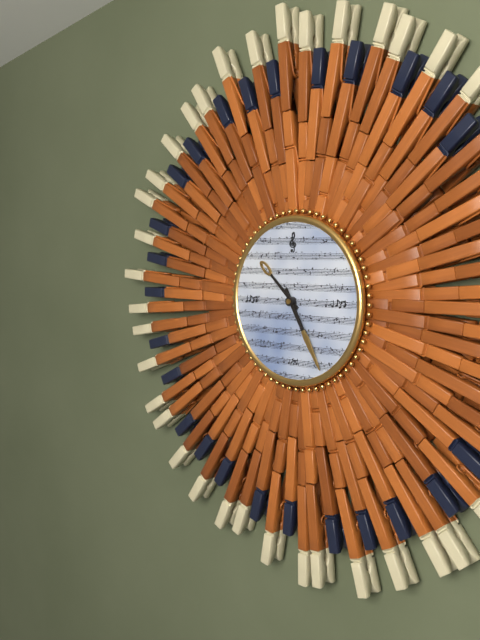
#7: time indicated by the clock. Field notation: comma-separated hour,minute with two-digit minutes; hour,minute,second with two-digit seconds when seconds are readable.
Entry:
10,25
